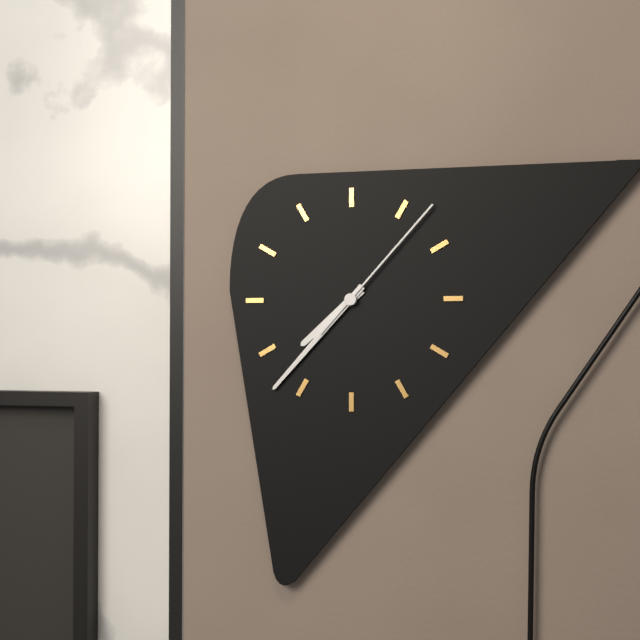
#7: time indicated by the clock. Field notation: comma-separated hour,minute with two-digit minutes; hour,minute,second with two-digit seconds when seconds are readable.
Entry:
7,37,07
